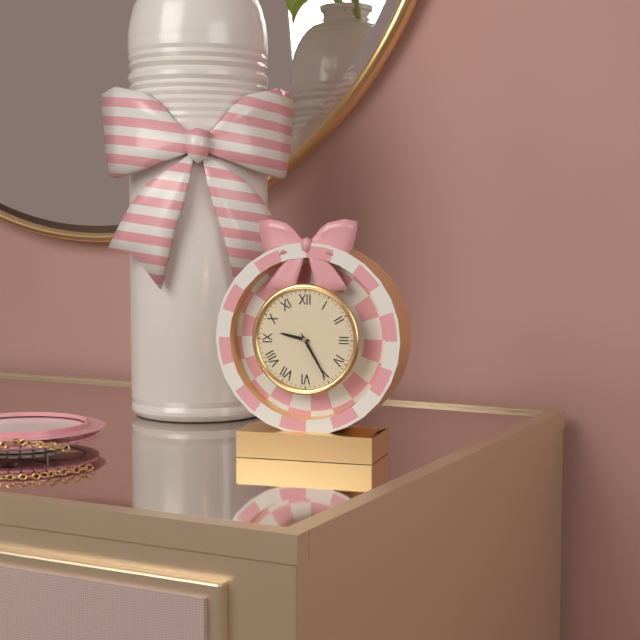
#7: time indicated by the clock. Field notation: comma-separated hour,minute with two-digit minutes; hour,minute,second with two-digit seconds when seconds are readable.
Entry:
9,25
